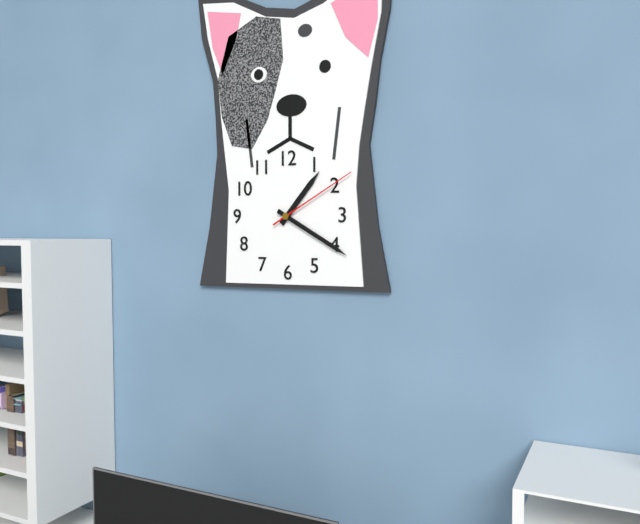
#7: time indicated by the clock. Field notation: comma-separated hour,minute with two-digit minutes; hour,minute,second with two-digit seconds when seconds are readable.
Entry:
1,20,10
